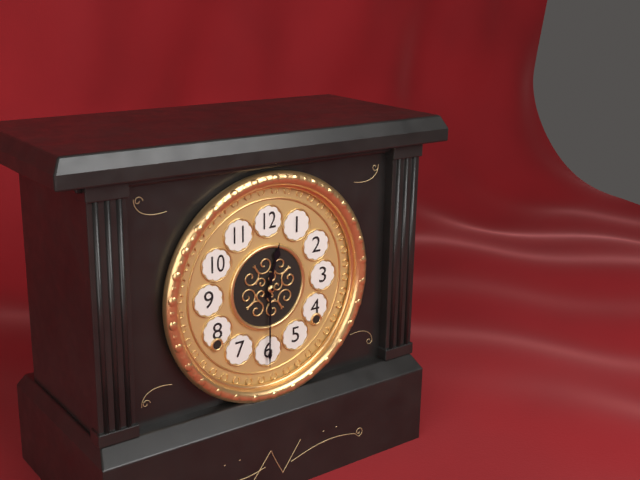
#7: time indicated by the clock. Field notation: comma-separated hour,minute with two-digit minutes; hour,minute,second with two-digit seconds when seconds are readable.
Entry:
12,30
